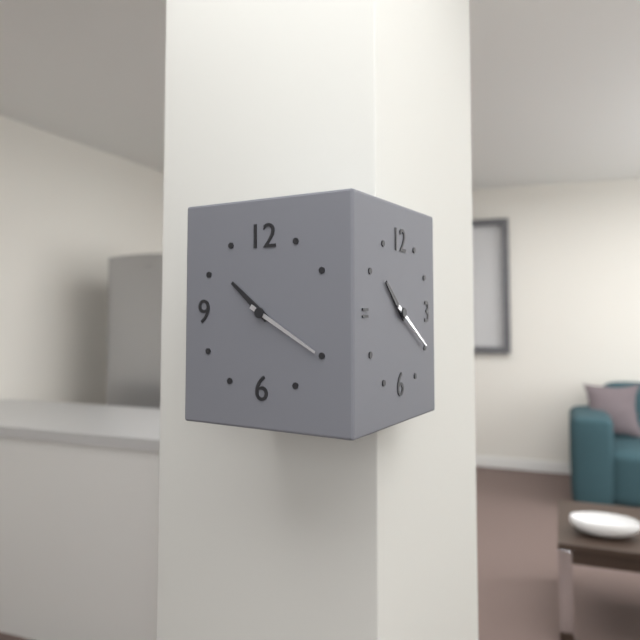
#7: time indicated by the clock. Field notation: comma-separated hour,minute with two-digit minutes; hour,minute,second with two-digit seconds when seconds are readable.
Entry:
10,20
